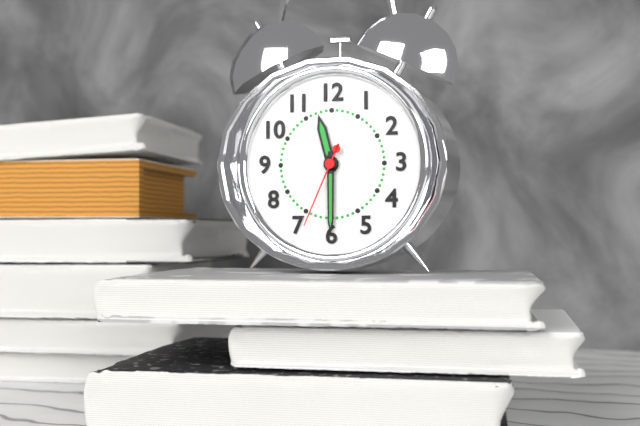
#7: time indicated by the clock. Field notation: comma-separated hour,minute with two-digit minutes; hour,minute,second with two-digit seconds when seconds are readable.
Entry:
11,30,34
